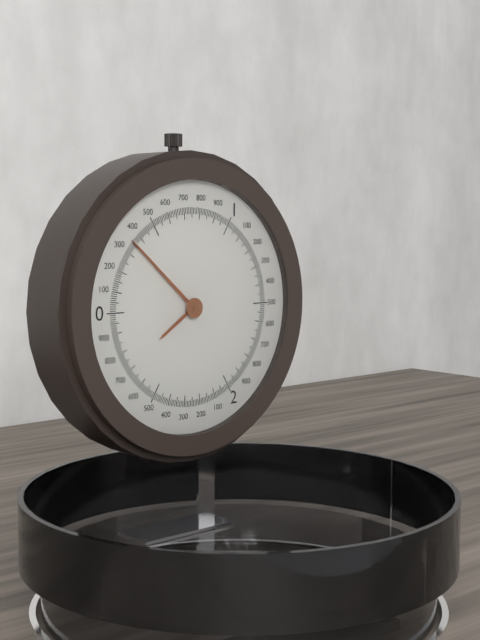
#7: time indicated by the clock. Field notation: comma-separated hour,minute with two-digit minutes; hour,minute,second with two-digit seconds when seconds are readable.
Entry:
7,52
